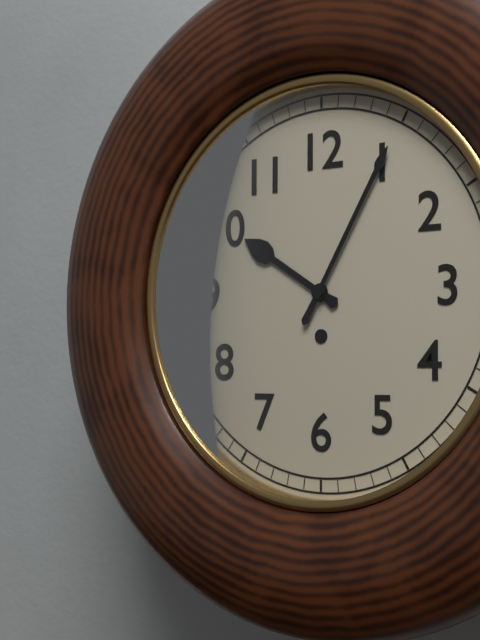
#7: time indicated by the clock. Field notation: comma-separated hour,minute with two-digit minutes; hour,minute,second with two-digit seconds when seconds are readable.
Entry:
10,05
